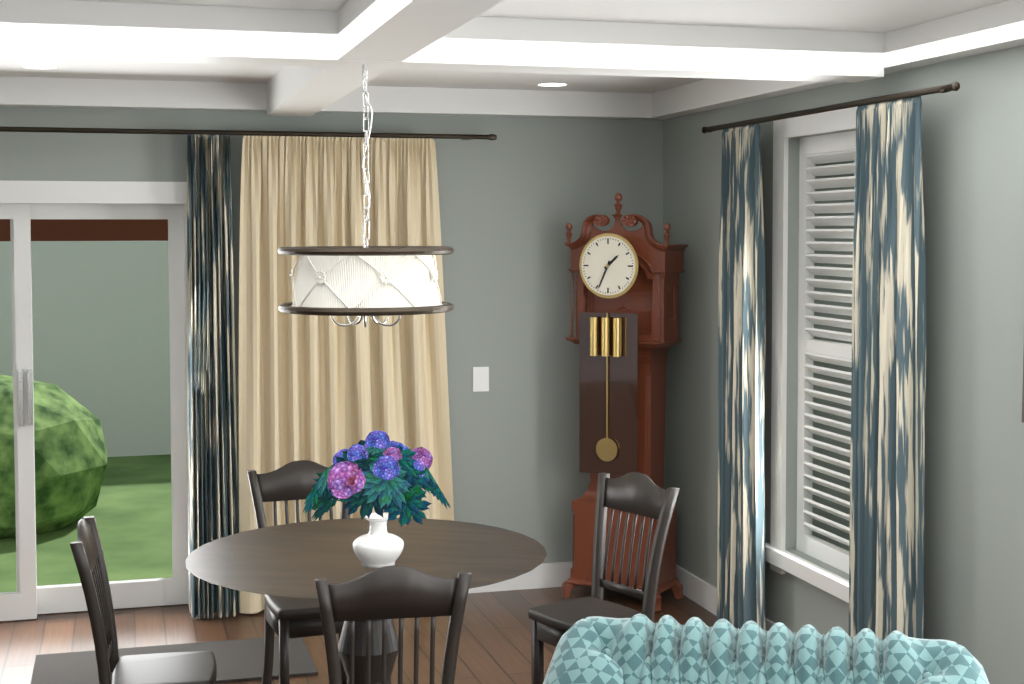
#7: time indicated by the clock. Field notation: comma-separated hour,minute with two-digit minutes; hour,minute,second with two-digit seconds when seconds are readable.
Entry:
1,34
